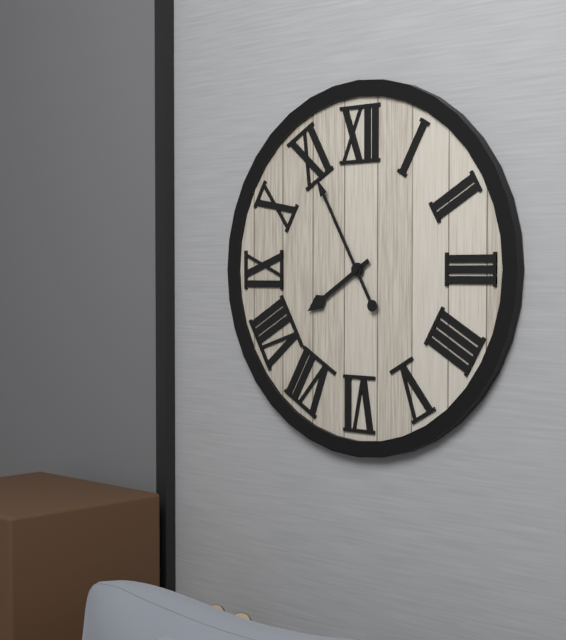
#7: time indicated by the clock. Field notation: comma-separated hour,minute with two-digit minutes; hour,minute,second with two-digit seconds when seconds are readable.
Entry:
7,55
